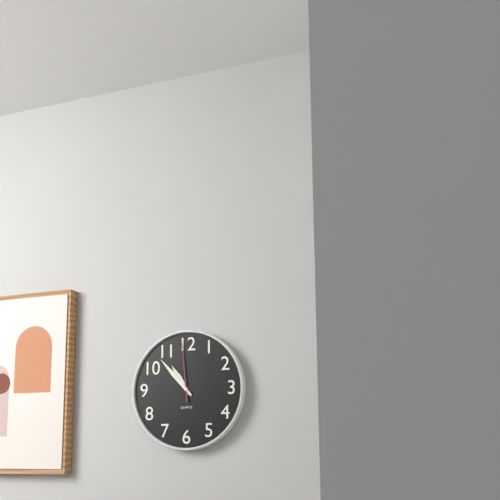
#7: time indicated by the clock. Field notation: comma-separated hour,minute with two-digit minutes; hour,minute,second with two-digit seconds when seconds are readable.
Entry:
10,53,59
